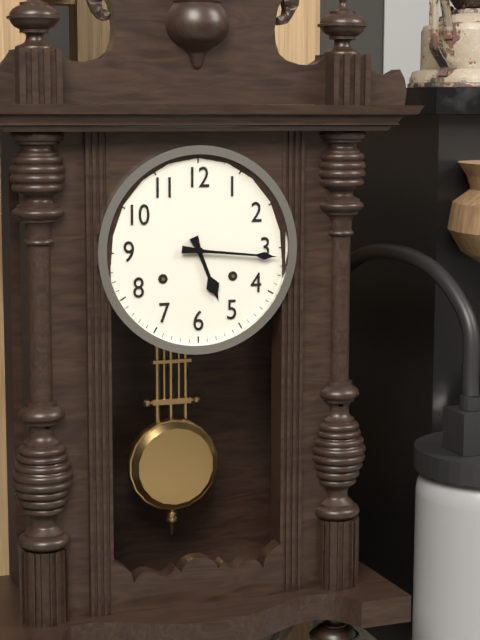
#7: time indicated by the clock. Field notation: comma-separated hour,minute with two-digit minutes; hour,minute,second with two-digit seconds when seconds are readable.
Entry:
5,16
